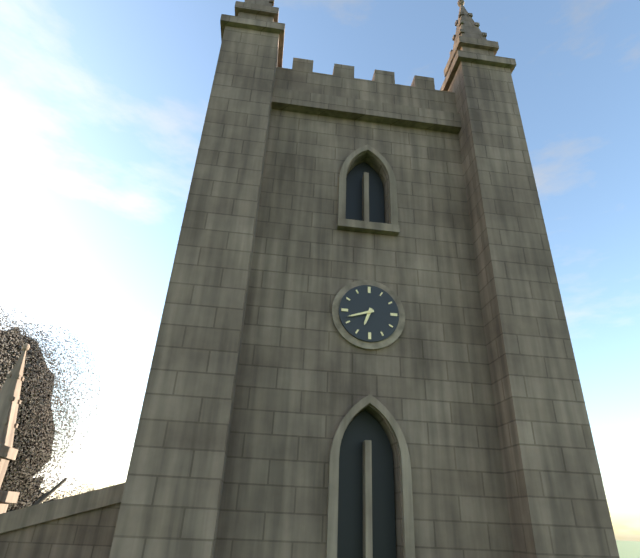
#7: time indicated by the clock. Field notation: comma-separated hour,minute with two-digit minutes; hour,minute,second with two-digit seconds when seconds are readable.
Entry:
6,42
